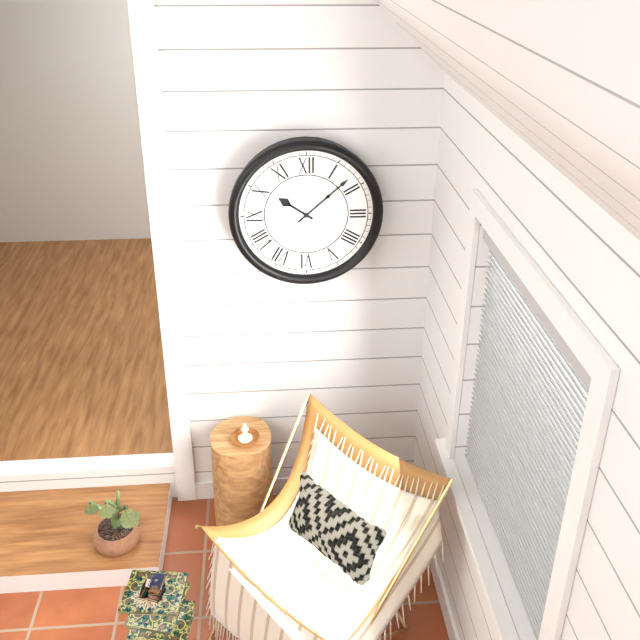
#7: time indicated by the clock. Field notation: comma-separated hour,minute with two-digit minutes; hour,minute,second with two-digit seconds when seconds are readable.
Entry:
10,08
